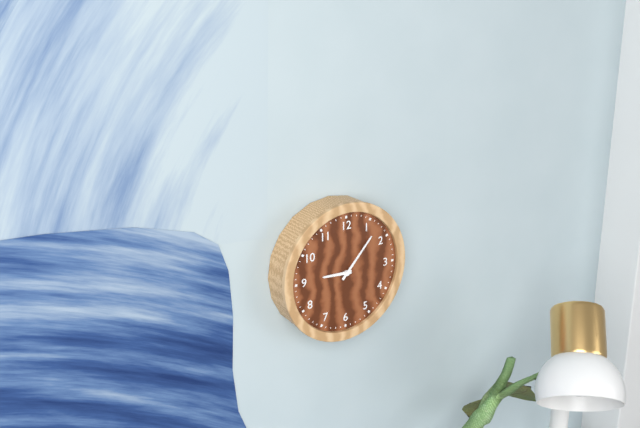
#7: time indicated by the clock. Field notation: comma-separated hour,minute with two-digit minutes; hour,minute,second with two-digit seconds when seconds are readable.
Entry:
9,07
